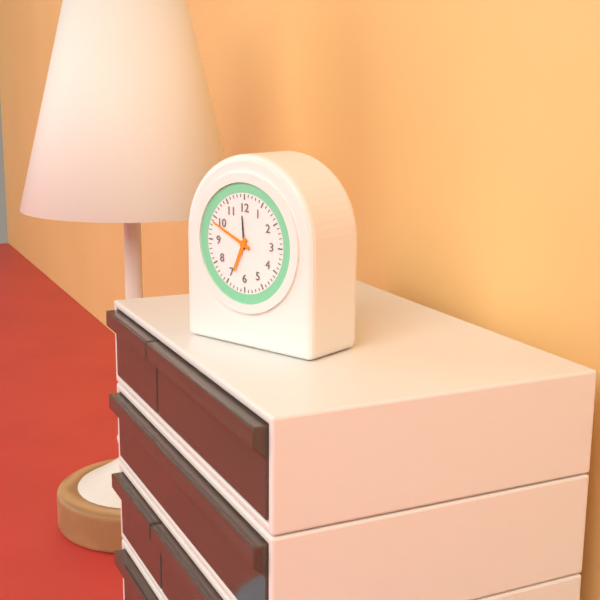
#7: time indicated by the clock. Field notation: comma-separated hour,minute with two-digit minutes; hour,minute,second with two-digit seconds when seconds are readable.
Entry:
6,49
